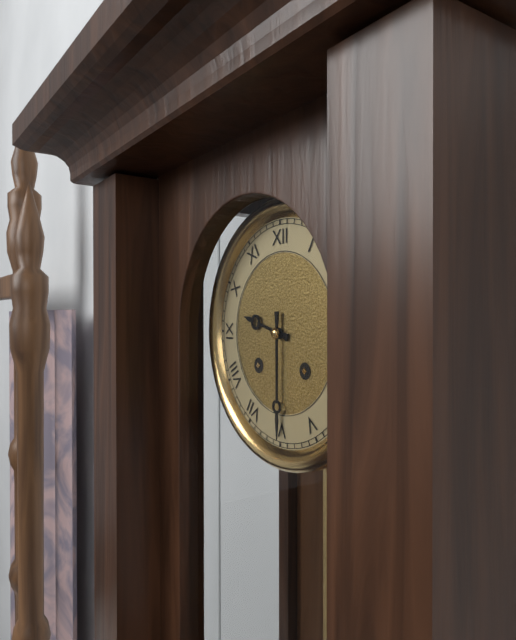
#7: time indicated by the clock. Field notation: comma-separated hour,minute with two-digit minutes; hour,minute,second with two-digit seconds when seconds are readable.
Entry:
9,30
